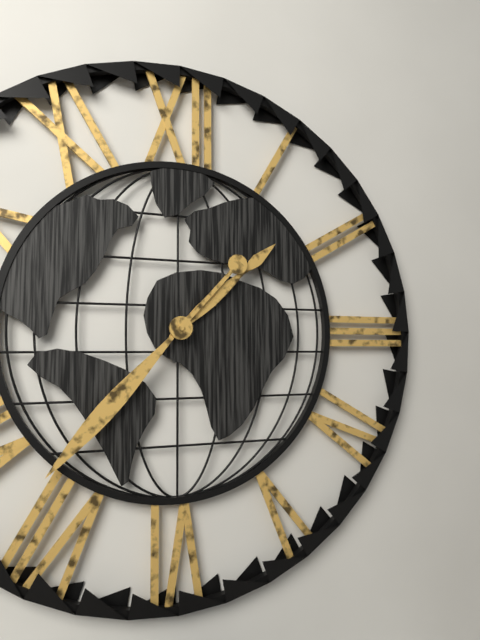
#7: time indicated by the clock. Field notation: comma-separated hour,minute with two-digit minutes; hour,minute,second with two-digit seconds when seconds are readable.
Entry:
1,37
